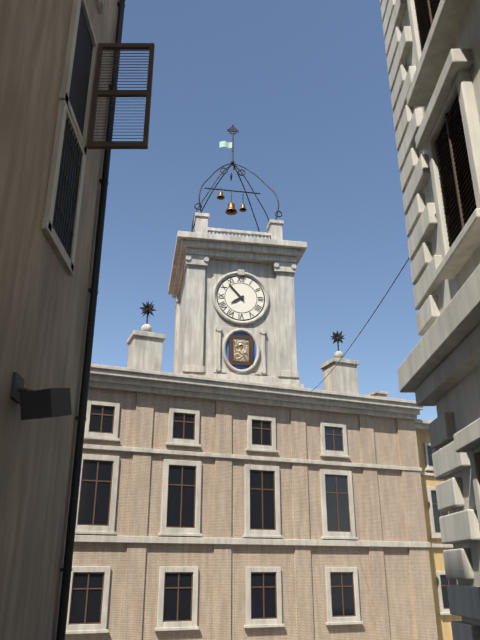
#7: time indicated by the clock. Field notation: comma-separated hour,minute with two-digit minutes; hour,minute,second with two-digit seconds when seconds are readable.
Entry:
7,53
